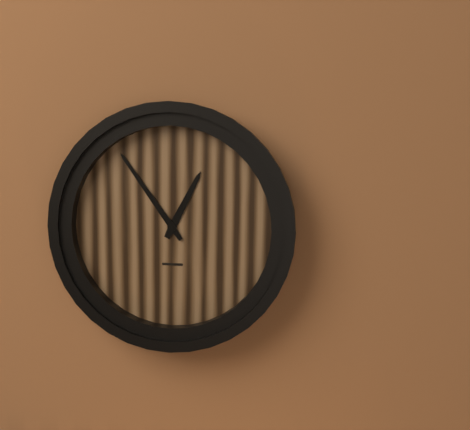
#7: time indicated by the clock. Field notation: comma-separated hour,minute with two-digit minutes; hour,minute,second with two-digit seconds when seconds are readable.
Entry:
12,54
